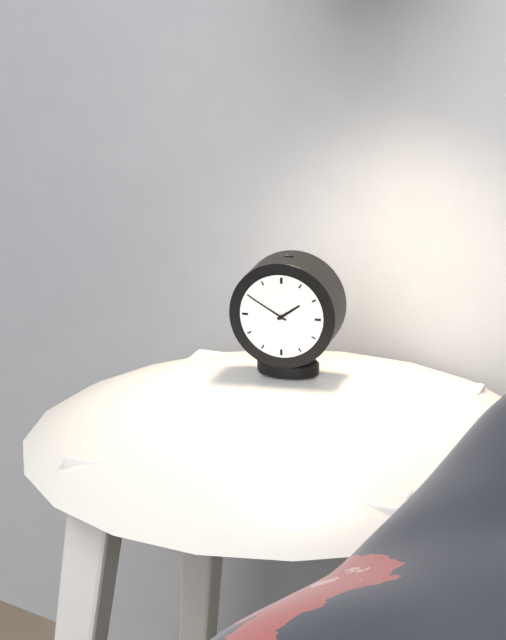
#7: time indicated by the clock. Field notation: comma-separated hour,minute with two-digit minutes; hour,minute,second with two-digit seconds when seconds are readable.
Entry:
1,50
